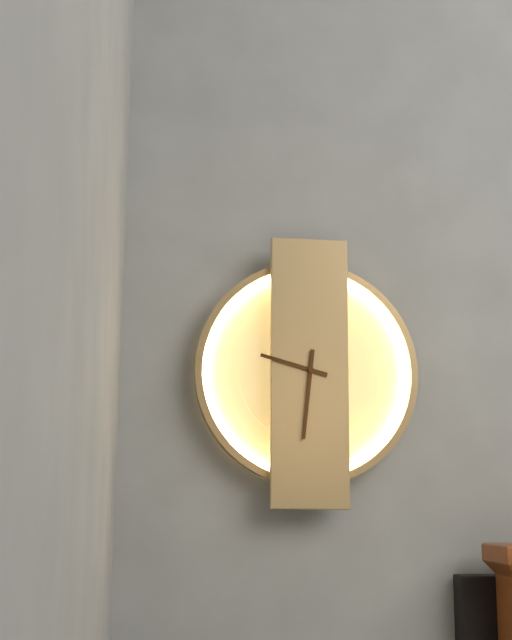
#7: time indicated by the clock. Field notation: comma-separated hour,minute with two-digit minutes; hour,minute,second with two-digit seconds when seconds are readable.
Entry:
9,31
